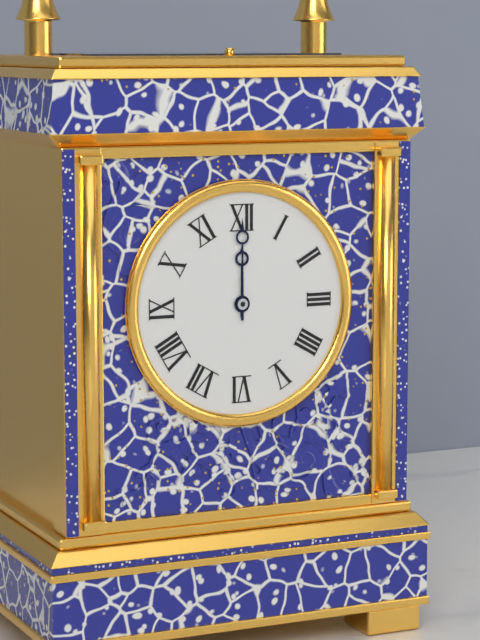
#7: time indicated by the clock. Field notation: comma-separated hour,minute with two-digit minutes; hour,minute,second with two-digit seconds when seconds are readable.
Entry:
12,00
